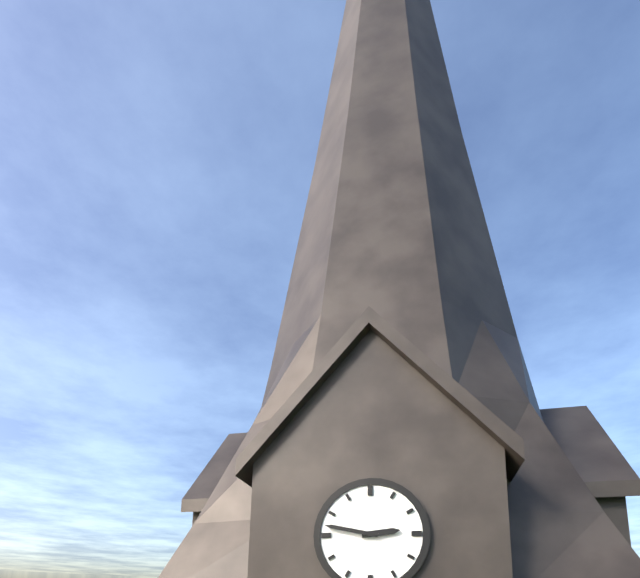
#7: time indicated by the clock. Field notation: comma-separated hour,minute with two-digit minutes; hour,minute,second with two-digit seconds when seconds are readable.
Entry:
2,47
